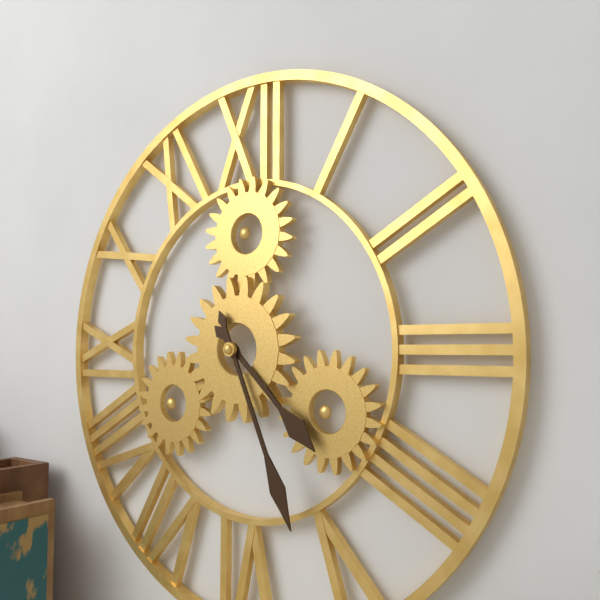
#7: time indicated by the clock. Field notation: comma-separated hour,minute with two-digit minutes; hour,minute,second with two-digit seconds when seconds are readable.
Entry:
4,26
